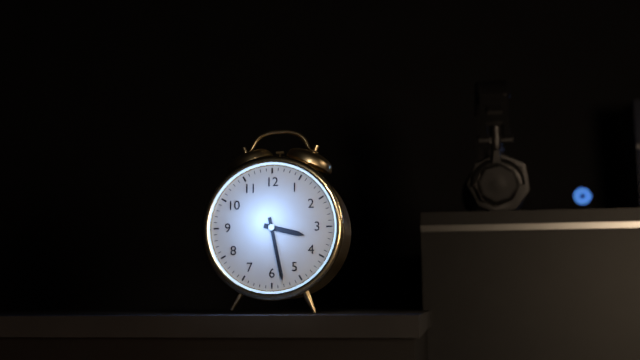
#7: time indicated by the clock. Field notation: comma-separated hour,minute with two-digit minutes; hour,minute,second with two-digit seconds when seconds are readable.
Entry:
3,28
